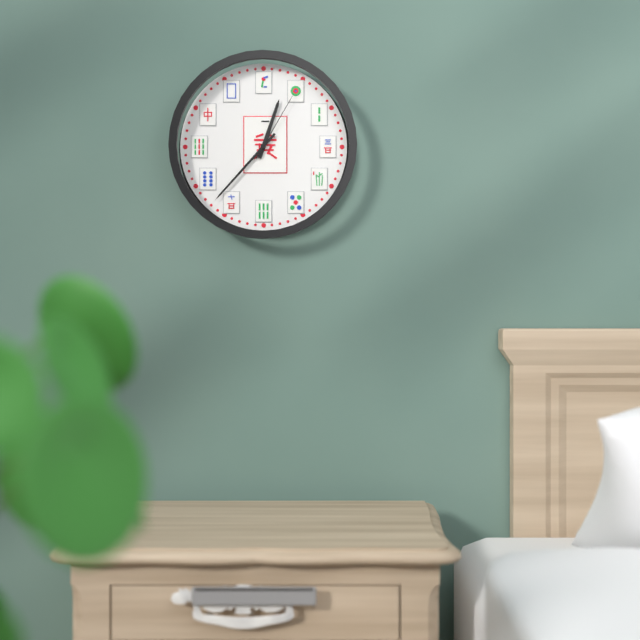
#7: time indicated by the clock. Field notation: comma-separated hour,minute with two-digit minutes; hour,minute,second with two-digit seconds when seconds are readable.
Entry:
12,37,05
